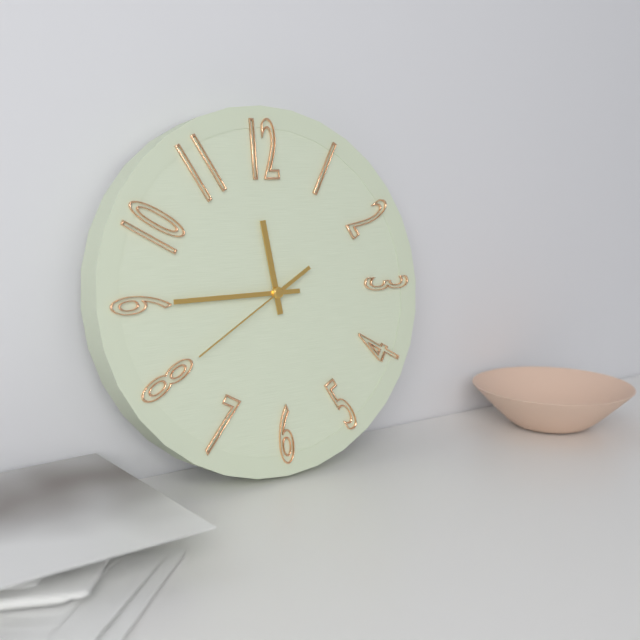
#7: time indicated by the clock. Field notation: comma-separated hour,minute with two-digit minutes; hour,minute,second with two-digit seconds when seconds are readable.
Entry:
11,45,40
